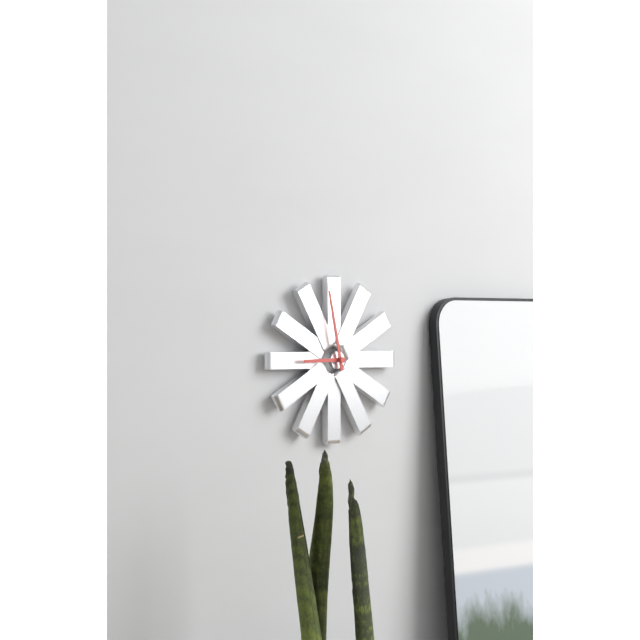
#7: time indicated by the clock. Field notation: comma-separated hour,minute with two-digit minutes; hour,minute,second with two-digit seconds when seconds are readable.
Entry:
8,58
